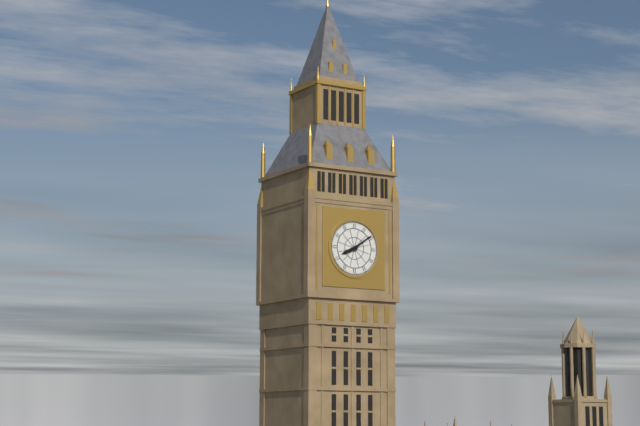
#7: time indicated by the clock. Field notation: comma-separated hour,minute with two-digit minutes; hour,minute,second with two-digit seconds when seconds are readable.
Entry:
8,09
